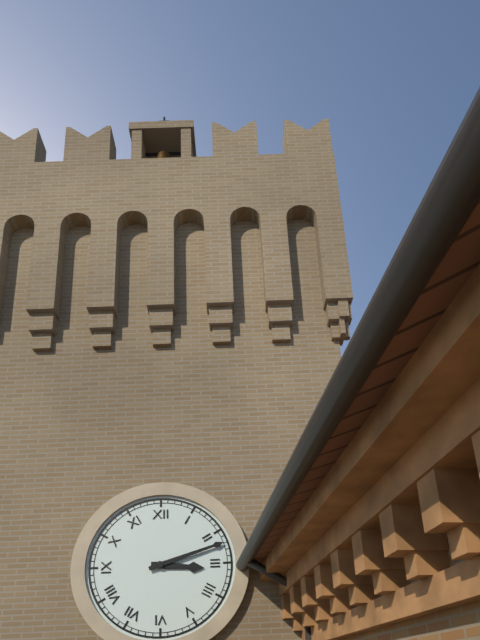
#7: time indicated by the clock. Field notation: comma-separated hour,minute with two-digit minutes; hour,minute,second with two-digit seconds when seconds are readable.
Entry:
3,12
